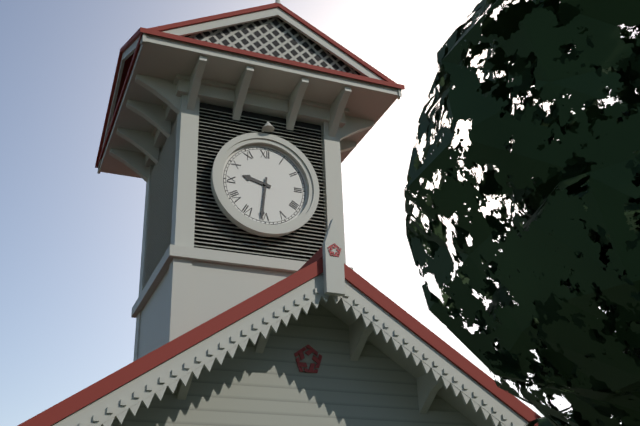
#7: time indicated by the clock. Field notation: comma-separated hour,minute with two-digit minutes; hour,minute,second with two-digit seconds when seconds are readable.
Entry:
9,31
